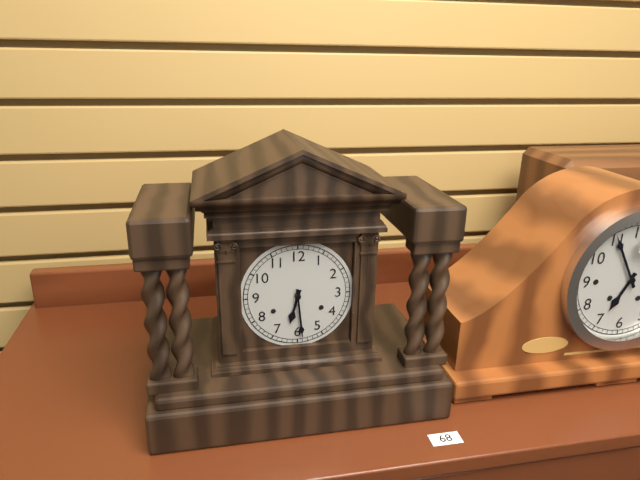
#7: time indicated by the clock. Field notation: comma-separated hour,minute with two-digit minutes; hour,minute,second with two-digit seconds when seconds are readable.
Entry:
6,29
